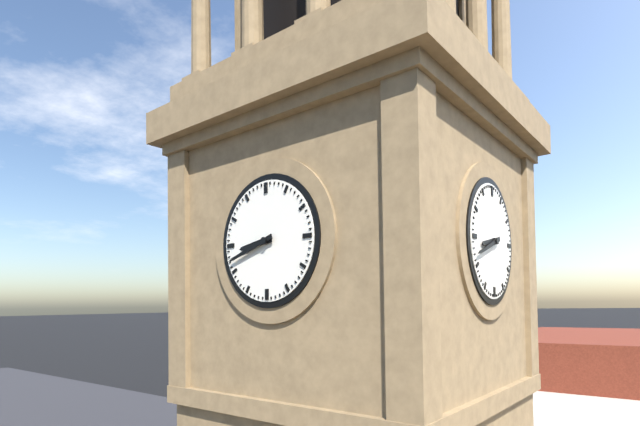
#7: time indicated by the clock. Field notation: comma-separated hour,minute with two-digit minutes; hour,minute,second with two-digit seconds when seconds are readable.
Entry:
8,42
